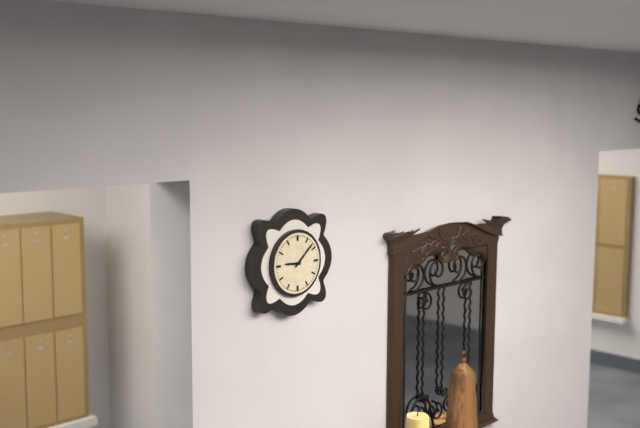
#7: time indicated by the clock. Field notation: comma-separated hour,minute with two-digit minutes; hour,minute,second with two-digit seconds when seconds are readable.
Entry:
9,08
